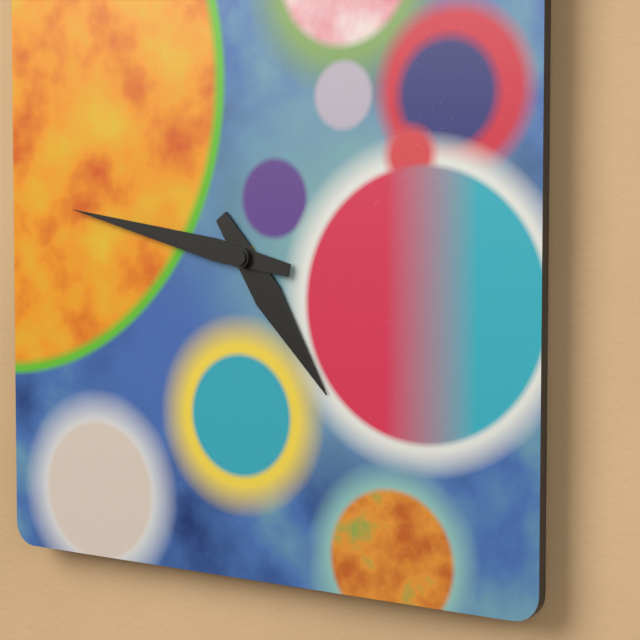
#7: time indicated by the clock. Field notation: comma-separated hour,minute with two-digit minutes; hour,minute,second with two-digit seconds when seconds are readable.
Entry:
4,47
